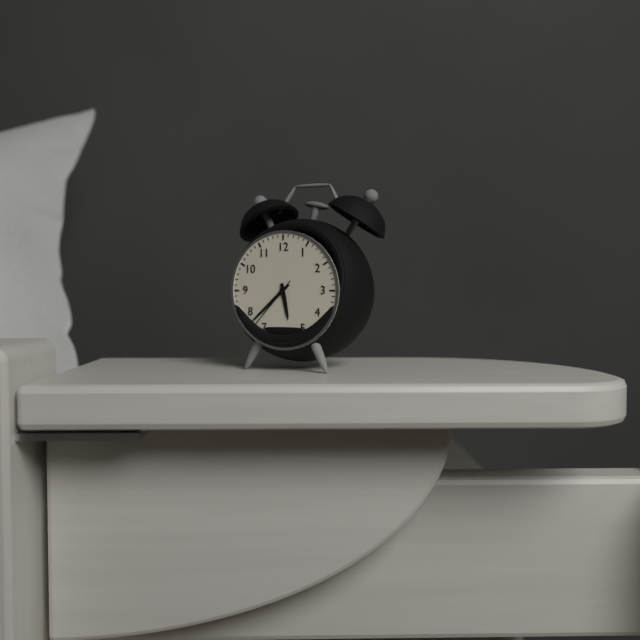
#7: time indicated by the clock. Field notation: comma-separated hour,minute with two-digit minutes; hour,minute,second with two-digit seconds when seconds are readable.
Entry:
5,38,37
